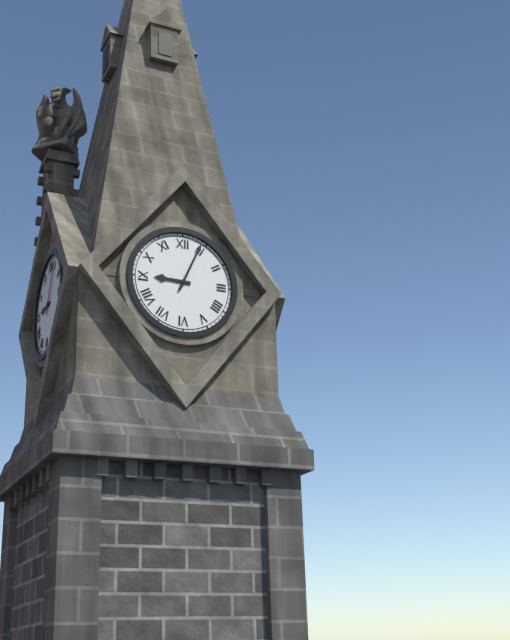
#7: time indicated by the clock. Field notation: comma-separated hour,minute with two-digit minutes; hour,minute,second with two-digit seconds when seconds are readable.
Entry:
9,04
